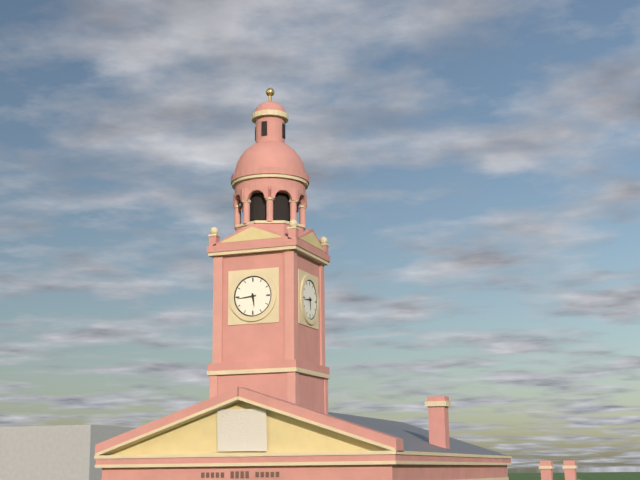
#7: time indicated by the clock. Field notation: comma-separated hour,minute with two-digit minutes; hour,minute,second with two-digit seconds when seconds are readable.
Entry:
5,44
